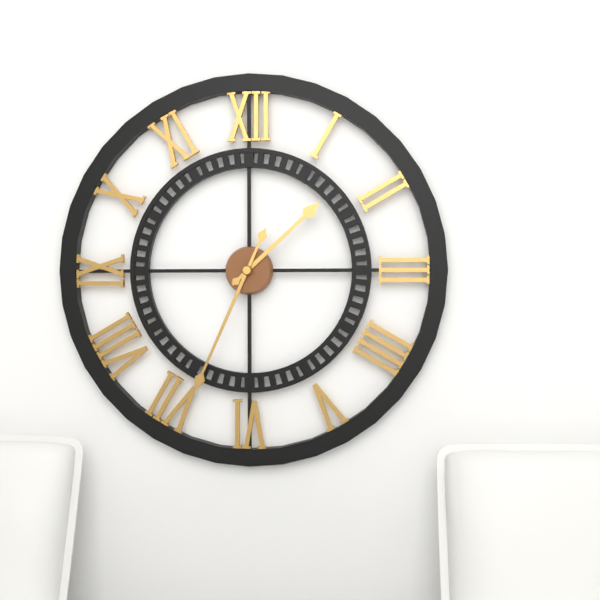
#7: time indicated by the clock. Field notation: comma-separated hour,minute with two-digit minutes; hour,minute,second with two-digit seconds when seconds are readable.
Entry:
1,34
